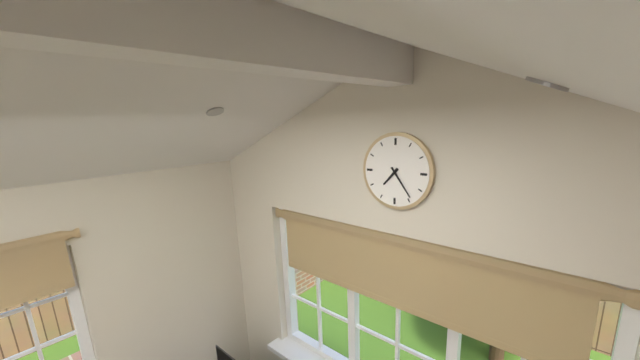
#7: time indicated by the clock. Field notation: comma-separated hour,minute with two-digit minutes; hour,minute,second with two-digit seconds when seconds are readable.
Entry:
7,24
